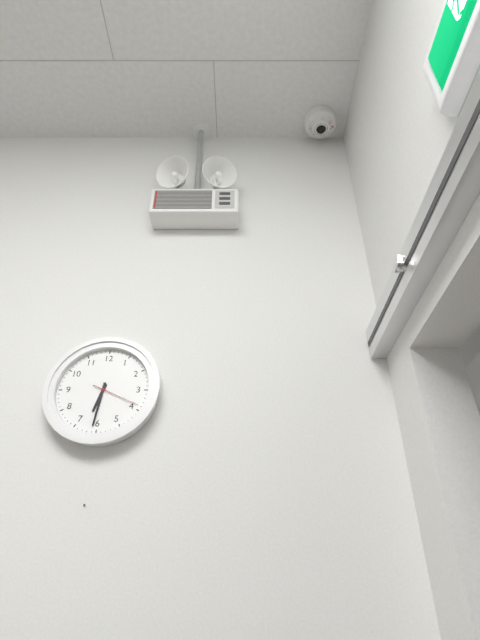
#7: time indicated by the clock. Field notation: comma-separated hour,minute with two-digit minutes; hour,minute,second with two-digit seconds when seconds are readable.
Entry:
6,31
